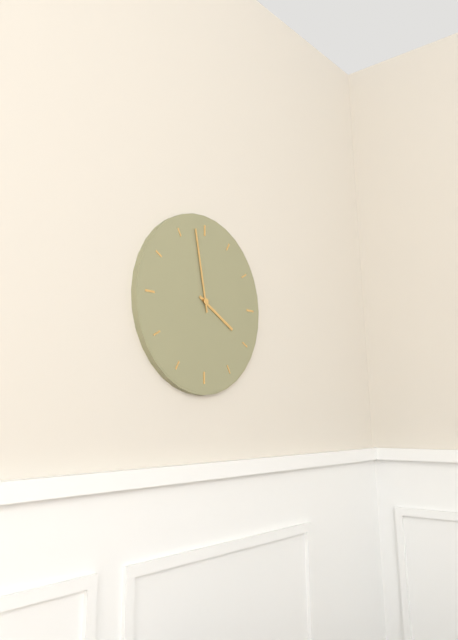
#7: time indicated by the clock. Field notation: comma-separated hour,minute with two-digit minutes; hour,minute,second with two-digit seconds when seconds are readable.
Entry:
3,58
